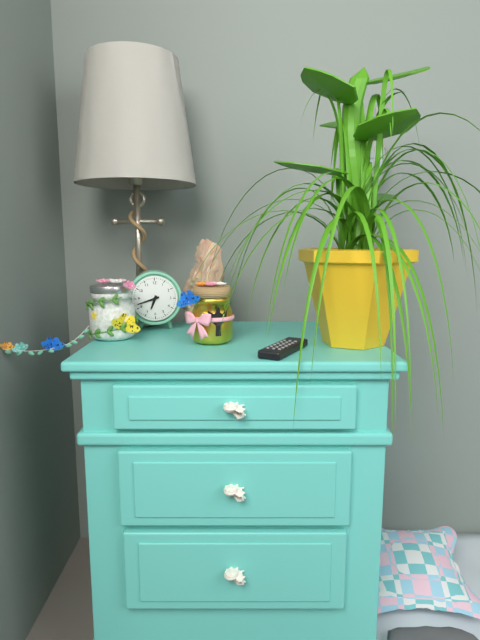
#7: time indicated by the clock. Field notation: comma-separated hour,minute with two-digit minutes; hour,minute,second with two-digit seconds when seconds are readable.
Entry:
6,42
